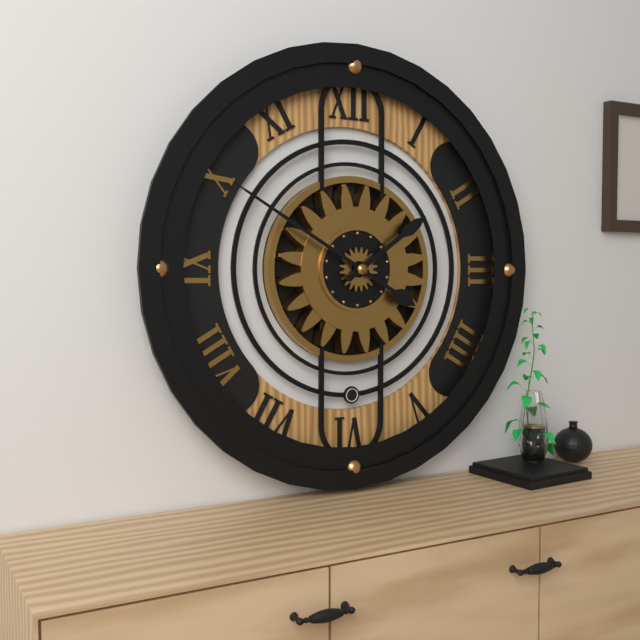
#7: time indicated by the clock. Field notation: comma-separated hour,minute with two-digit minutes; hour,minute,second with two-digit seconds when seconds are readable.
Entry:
1,50
